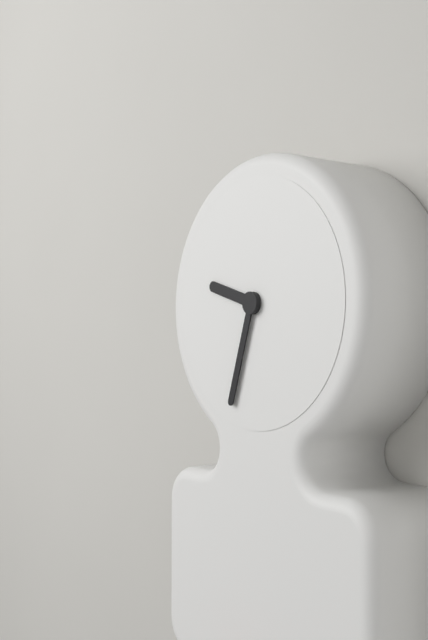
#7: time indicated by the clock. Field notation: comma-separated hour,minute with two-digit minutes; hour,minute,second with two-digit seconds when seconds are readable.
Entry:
9,33
